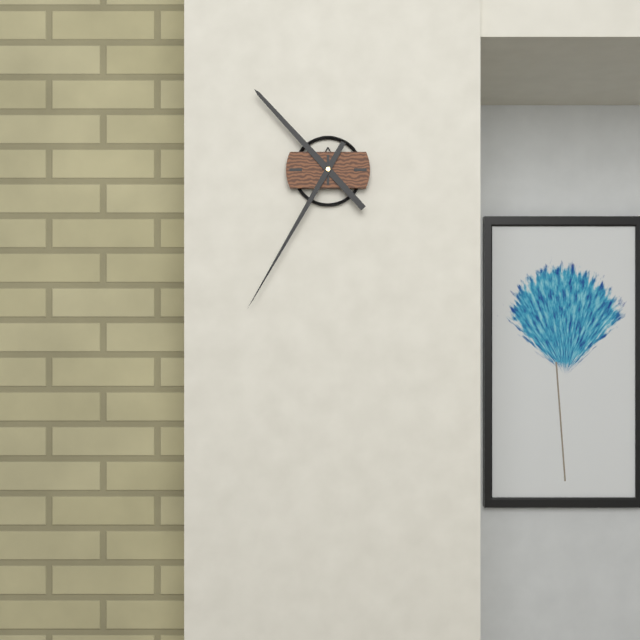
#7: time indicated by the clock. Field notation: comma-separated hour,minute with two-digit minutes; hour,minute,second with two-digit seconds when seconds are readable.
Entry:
10,35
